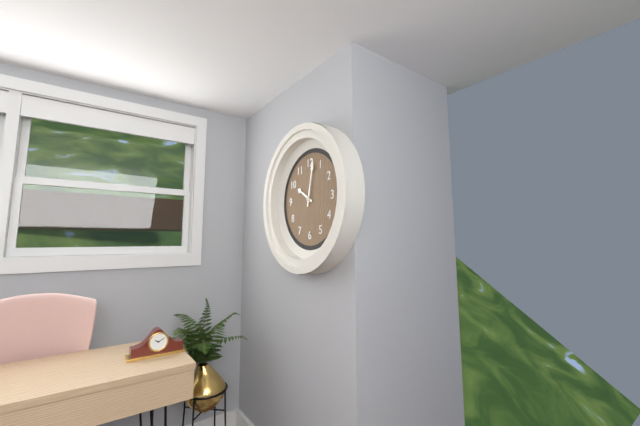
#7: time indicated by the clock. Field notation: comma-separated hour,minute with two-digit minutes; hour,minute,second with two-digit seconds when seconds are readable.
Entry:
10,02
